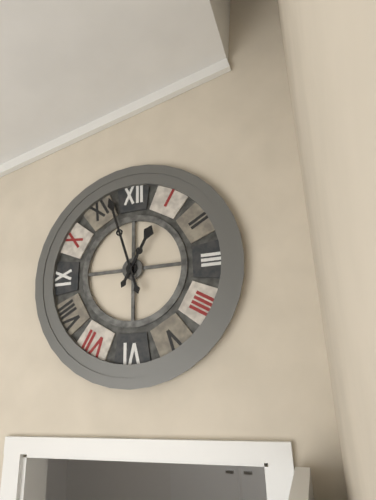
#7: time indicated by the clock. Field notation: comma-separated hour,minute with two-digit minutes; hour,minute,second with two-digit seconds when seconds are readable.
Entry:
12,57
